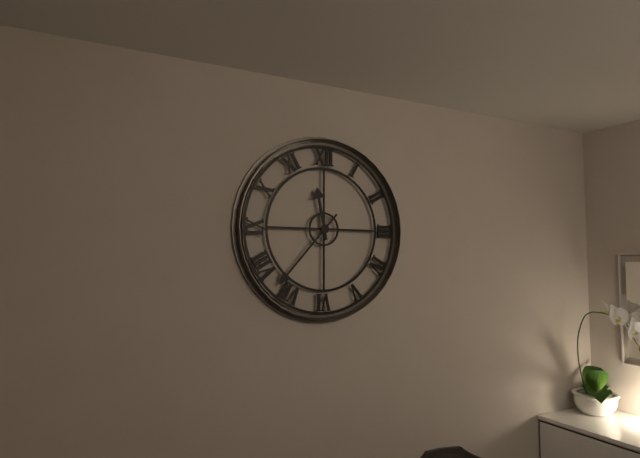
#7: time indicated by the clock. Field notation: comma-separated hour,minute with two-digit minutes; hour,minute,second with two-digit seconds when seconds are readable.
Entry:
11,37
